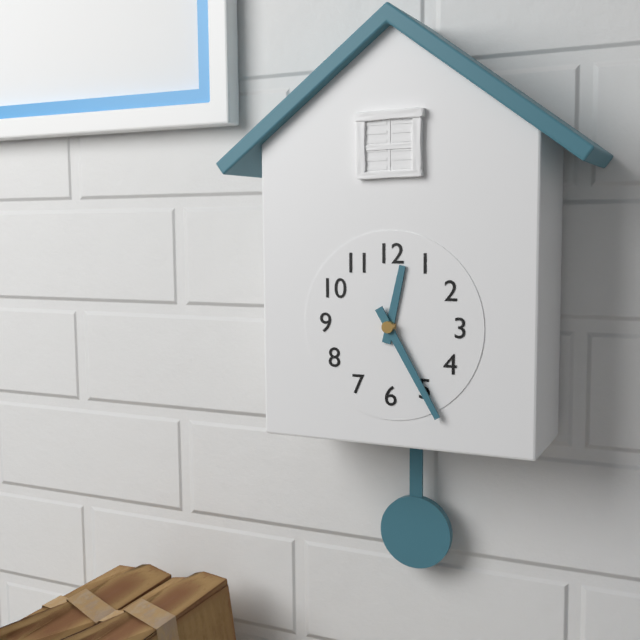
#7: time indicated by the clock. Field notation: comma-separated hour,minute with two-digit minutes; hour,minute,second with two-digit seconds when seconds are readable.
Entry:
12,25
